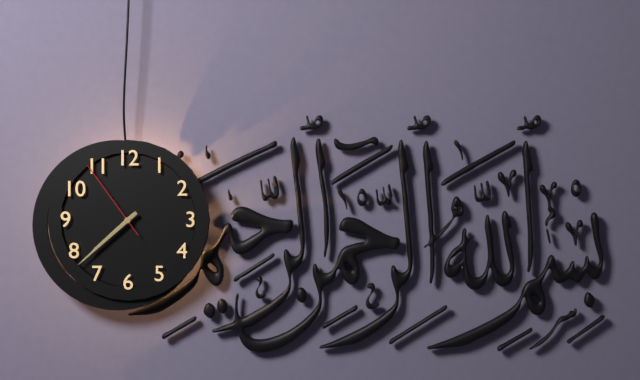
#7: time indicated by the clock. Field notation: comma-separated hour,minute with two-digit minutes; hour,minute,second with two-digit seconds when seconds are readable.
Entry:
7,38,54
